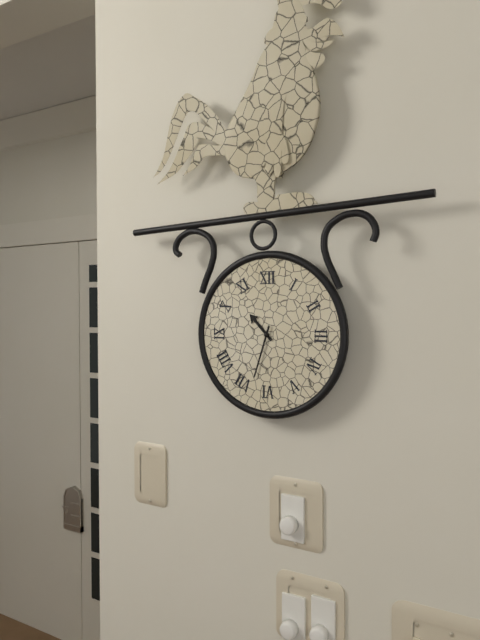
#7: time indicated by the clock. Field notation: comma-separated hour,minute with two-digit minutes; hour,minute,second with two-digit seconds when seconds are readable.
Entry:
10,33
